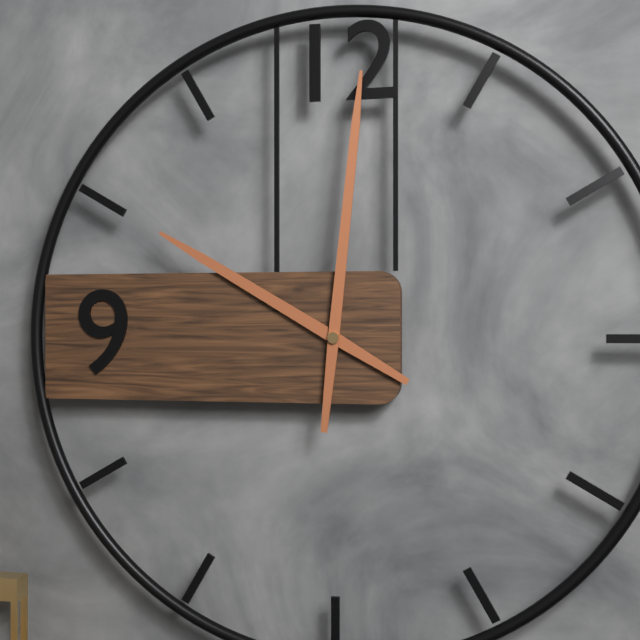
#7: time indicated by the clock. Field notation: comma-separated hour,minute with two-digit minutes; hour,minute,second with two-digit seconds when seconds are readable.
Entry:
10,01
